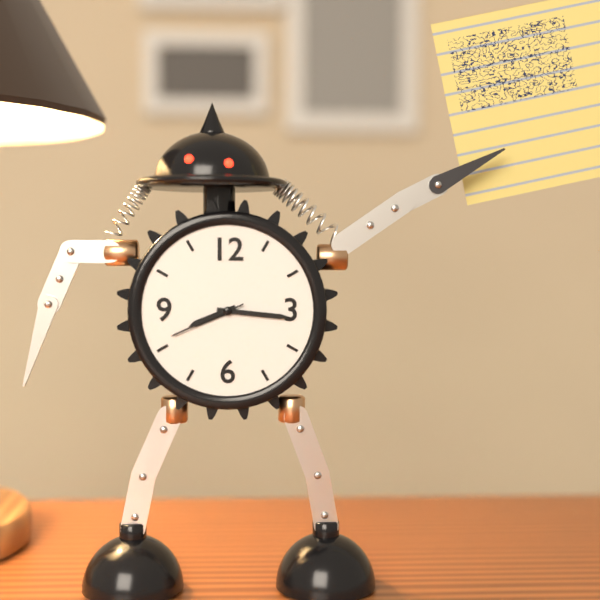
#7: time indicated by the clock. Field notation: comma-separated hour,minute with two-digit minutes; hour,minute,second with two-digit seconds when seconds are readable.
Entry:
8,16,41
